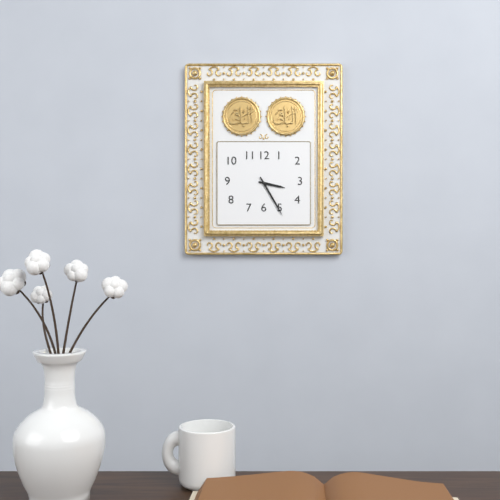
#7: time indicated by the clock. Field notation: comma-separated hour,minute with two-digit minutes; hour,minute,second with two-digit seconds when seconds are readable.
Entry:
3,25
